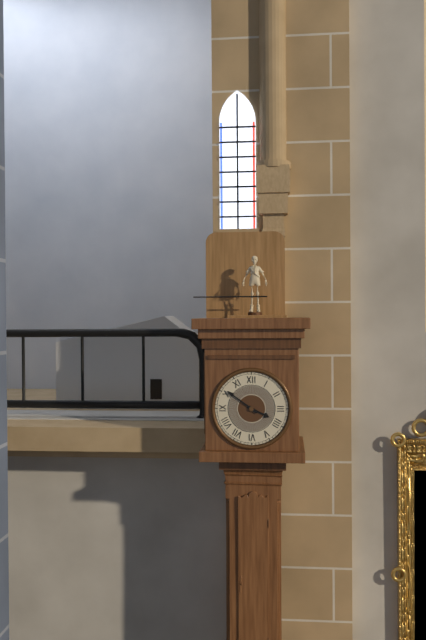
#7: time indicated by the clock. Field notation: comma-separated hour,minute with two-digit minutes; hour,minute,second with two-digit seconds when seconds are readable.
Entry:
3,51
